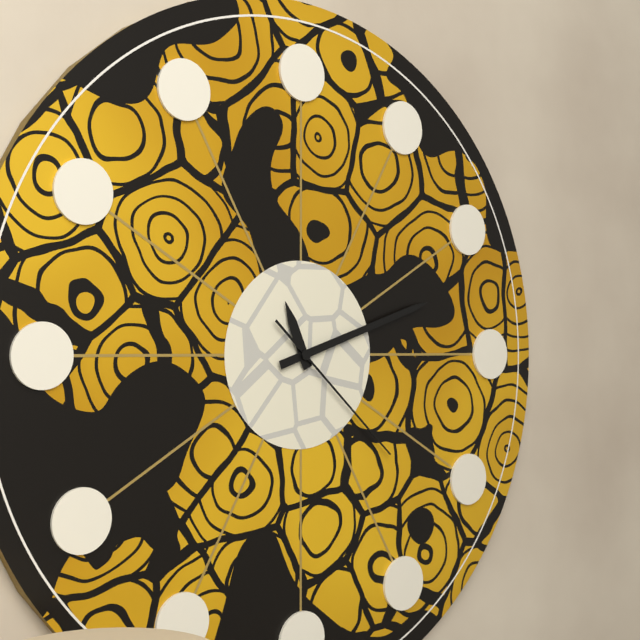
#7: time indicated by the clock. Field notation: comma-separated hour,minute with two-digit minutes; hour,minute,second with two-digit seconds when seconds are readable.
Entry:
11,12,22
